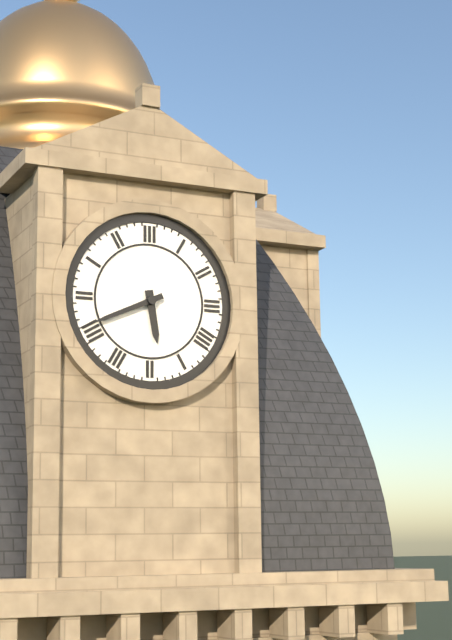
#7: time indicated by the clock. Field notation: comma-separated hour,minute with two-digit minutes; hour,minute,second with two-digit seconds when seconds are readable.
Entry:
5,41
